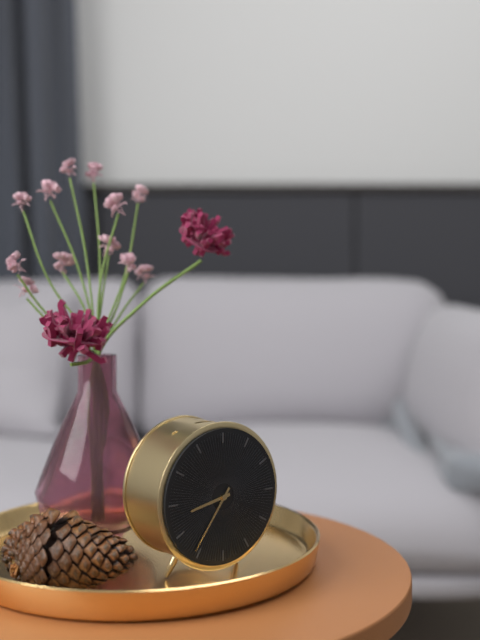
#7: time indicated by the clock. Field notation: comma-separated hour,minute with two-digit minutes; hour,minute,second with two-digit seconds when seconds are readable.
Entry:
8,36
